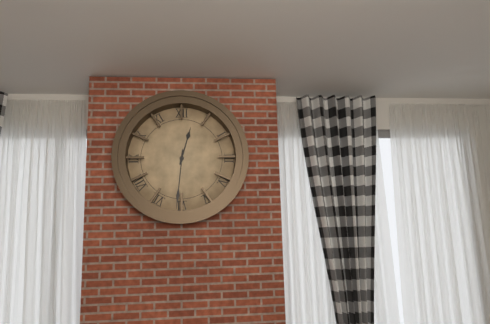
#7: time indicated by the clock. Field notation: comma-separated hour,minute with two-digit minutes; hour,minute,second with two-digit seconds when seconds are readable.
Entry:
12,31
